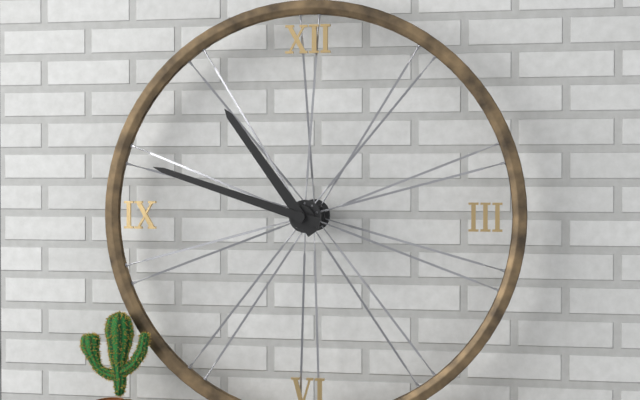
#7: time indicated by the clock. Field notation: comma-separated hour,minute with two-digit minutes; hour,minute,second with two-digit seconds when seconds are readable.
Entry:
10,48
